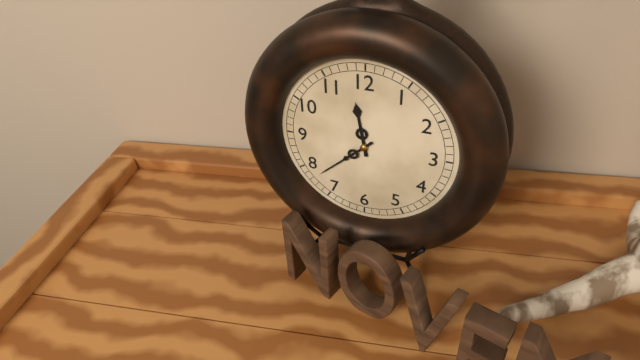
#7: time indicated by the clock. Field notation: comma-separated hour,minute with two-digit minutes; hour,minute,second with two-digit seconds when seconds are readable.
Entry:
11,38
